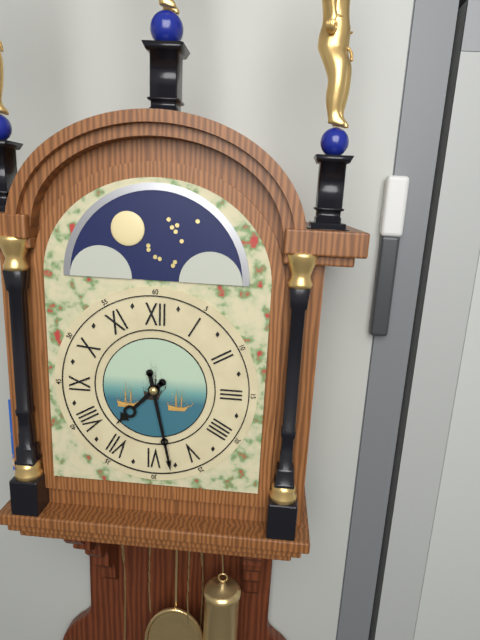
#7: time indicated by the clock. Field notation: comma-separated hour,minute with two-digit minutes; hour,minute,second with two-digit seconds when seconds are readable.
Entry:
7,28
